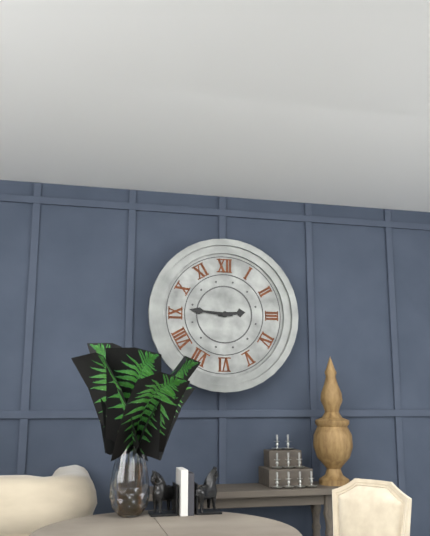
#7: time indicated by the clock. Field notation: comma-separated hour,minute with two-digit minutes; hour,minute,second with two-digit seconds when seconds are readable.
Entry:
2,46
